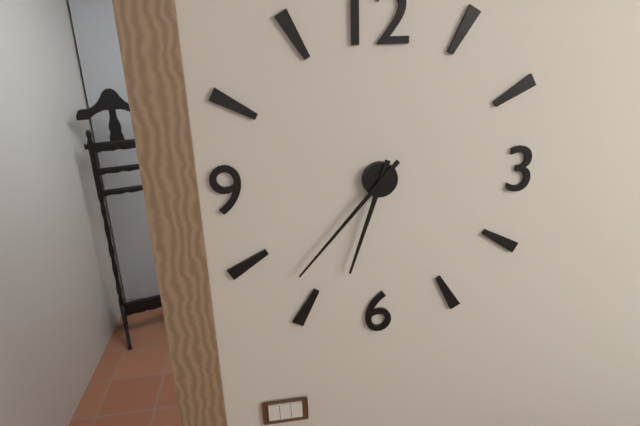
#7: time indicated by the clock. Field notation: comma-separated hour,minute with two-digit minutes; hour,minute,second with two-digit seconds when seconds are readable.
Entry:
6,37
